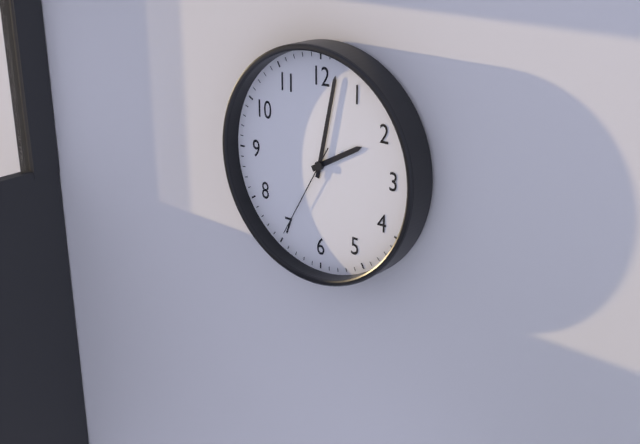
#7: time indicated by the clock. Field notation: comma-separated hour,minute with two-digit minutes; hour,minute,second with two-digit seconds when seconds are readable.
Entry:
2,02,35
